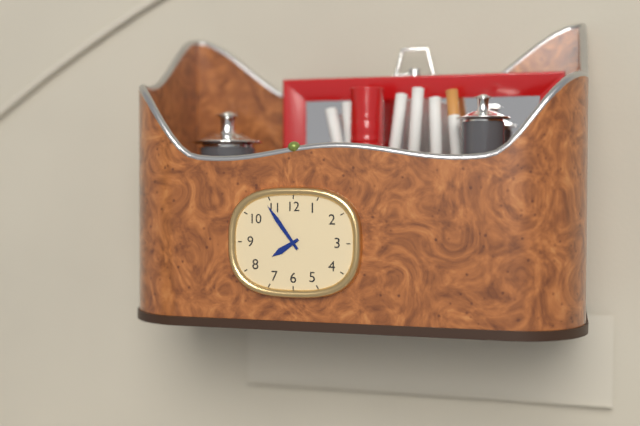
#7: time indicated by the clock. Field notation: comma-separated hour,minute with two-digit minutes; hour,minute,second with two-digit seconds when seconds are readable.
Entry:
7,54
